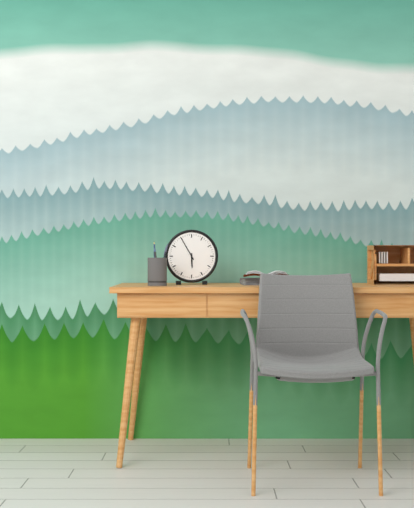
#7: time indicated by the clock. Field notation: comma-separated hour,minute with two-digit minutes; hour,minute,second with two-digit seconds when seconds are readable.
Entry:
5,55
